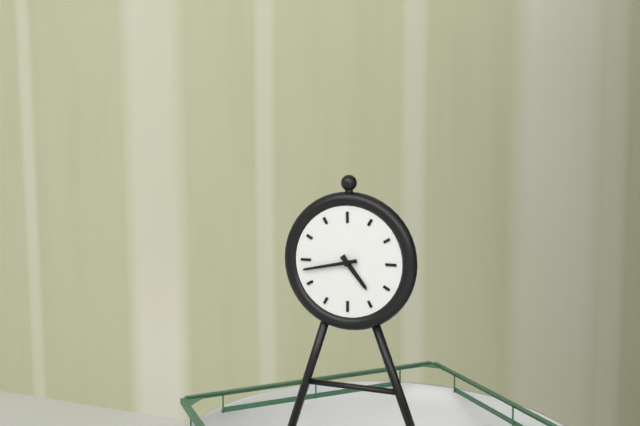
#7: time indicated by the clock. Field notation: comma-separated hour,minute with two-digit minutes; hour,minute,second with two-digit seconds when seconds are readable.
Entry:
4,43
